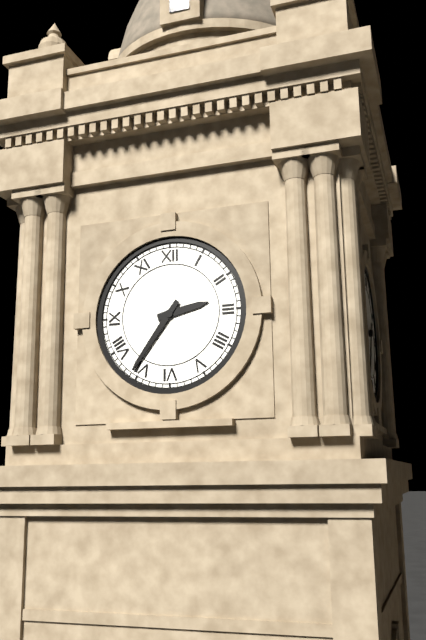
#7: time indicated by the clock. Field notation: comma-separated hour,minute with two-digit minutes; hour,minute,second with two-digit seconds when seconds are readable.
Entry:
2,36
